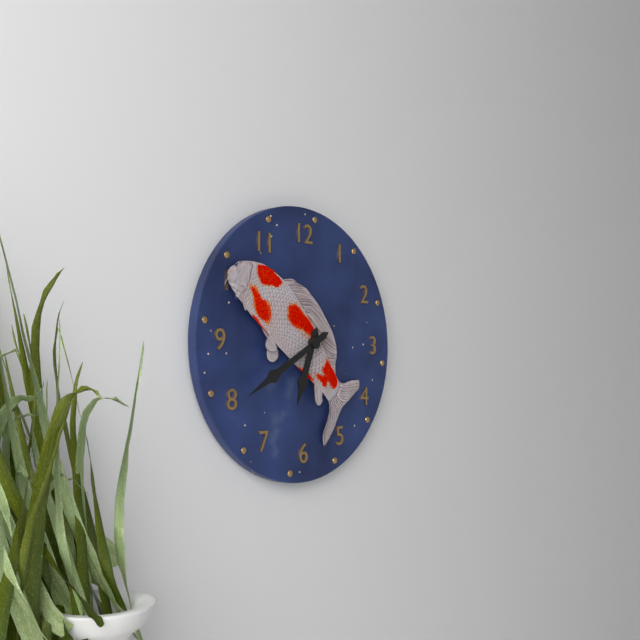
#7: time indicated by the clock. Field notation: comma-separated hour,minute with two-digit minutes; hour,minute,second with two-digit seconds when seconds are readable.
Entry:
6,40
